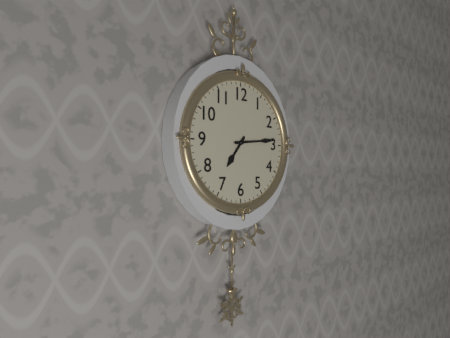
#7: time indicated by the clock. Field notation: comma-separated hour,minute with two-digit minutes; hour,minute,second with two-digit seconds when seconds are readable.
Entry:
7,14
